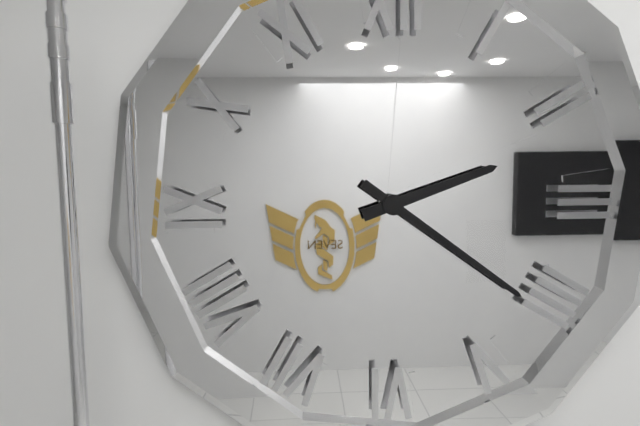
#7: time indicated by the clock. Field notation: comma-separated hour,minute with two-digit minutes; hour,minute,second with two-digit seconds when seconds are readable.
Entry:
2,21
